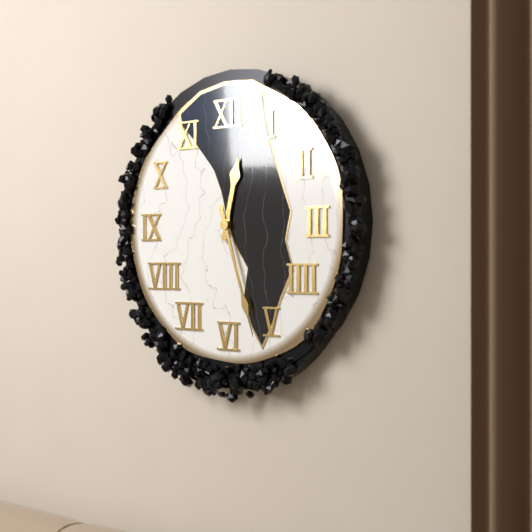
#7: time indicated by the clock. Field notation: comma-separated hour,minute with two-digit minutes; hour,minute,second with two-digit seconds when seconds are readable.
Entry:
12,27
